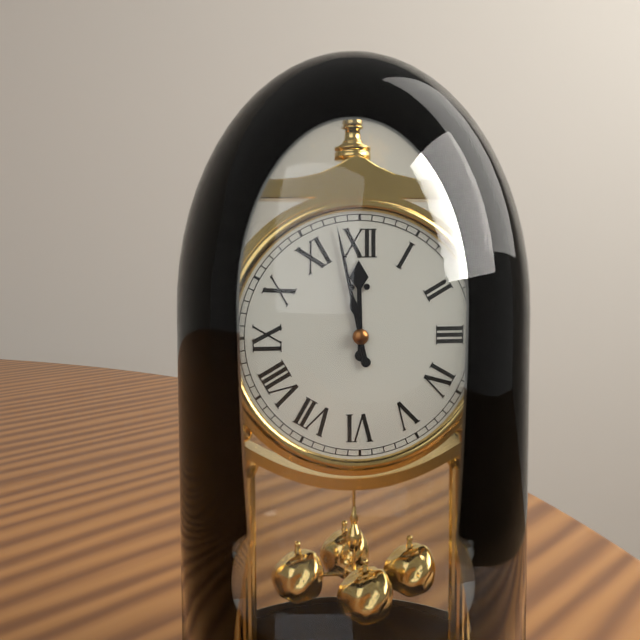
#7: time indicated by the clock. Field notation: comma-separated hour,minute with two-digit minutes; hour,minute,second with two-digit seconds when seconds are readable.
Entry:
11,58
